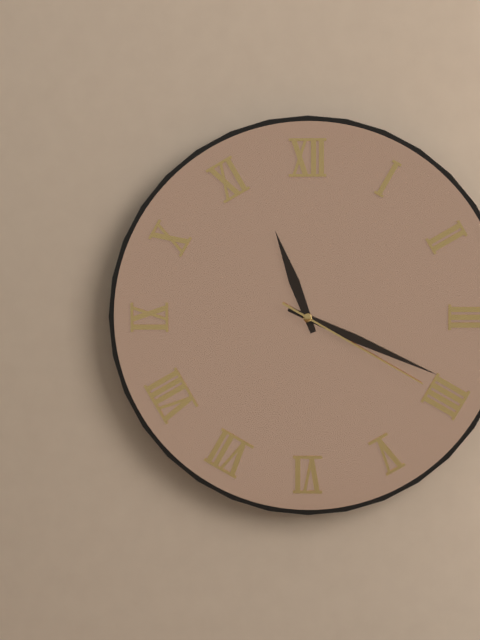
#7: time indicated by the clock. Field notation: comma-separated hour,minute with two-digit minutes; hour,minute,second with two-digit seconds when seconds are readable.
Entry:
11,19,20
